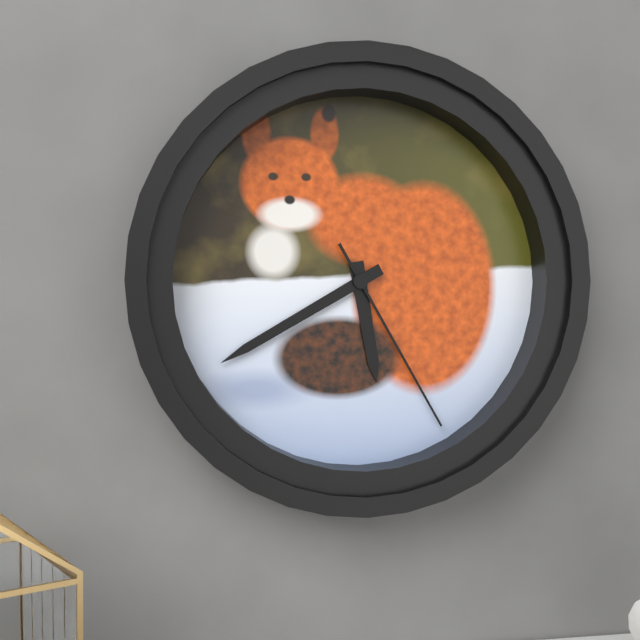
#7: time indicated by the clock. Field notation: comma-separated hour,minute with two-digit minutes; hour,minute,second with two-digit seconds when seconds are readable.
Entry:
5,40,25
